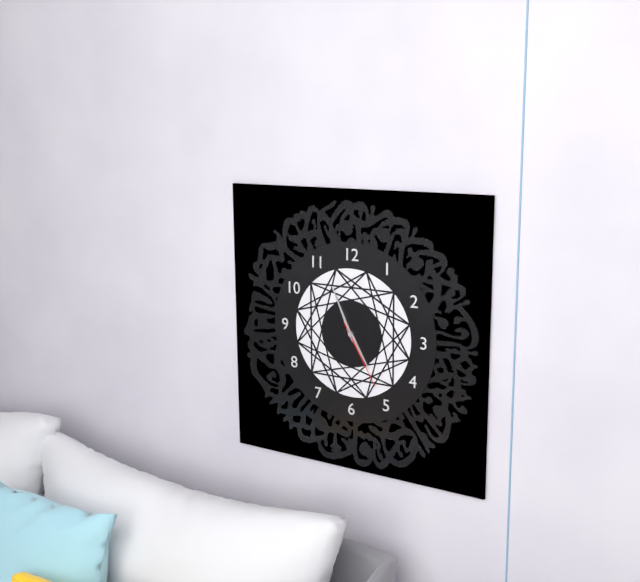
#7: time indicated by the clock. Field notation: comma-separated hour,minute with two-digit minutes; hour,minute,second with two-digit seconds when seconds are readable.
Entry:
4,56,25
